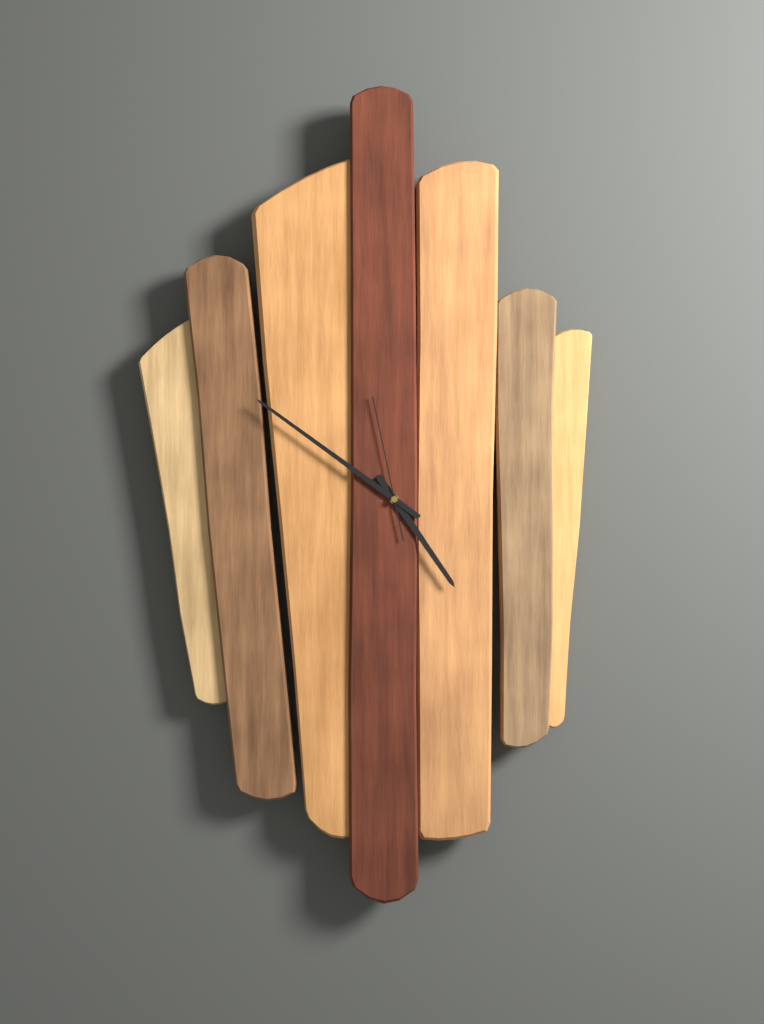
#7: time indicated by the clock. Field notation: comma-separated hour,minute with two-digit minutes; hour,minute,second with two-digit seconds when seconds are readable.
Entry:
4,51,58
